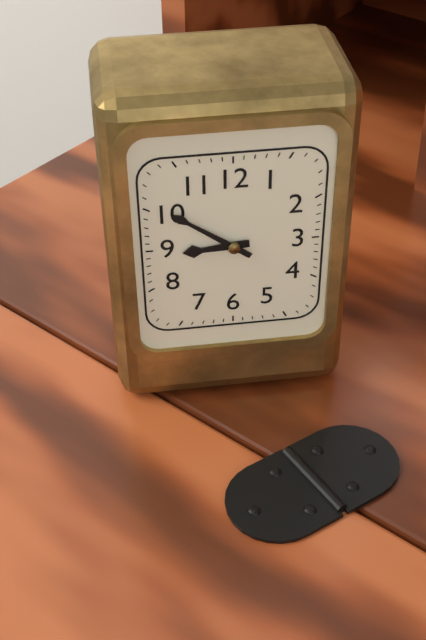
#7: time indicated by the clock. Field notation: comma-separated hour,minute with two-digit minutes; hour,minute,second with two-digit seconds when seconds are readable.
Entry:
8,51
